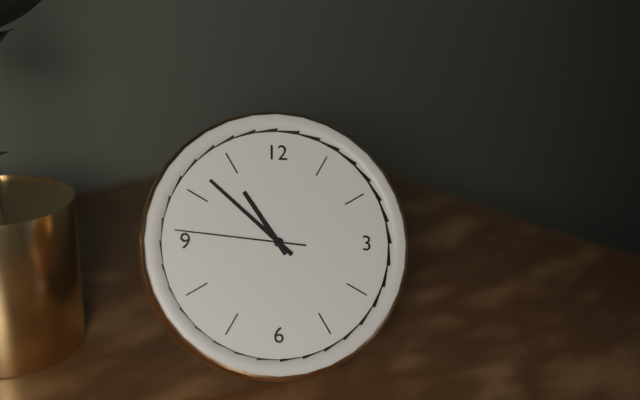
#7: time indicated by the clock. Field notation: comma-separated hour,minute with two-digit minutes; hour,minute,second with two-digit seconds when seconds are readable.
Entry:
10,52,46
